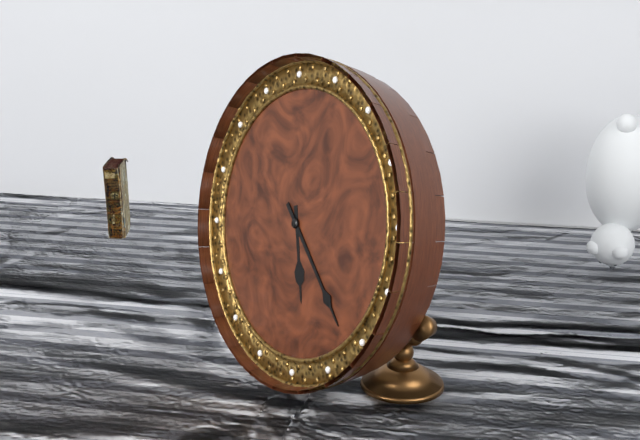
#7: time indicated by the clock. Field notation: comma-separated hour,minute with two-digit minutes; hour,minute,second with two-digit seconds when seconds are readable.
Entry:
5,22
